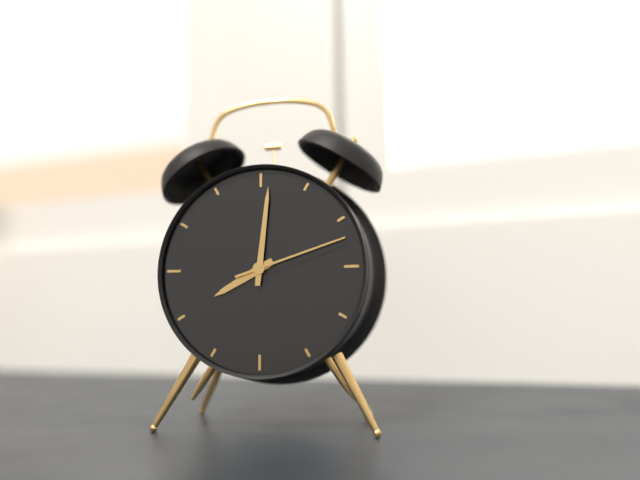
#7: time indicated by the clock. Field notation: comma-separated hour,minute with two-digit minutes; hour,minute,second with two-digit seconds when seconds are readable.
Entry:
8,01,12
